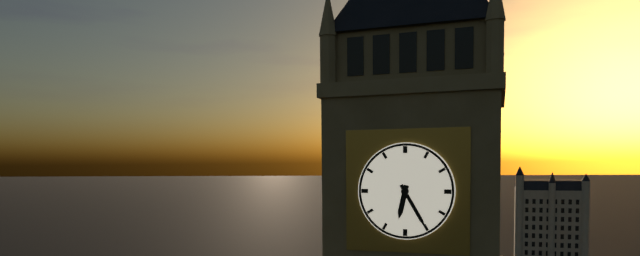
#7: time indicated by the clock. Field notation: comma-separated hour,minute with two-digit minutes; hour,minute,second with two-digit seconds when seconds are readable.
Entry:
6,25
